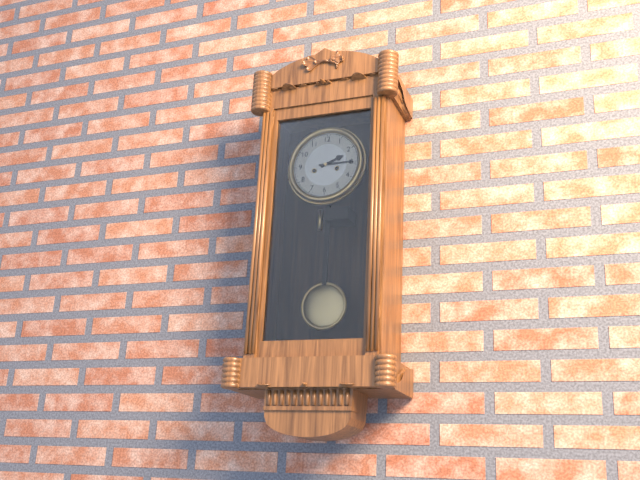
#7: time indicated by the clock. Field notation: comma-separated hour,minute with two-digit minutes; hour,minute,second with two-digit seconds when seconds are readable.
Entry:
2,15
